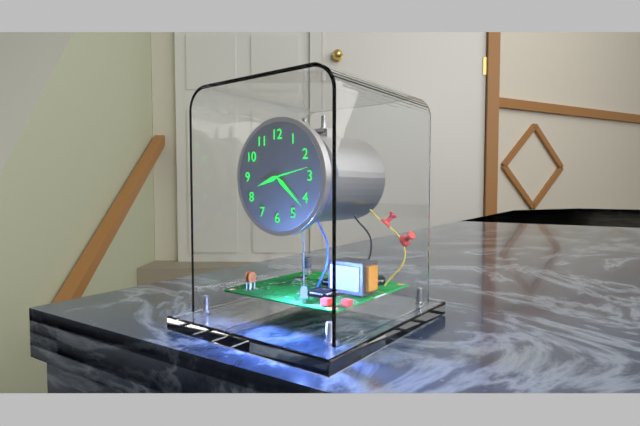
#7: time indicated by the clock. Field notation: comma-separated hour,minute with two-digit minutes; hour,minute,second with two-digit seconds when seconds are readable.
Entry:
8,22
